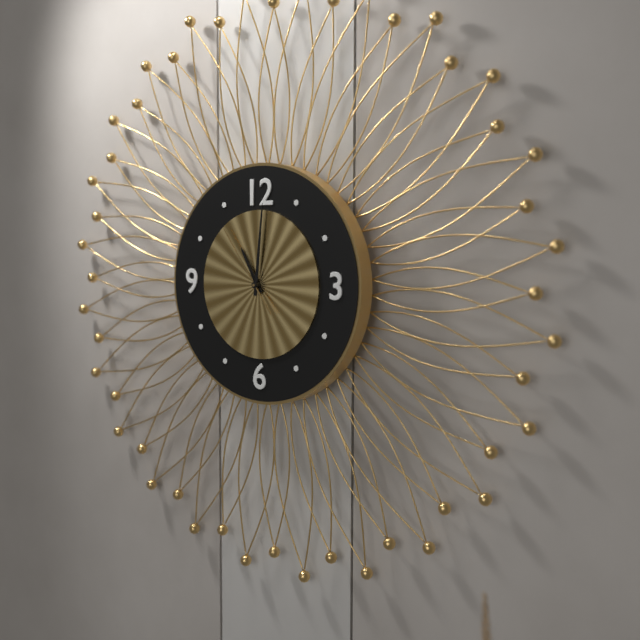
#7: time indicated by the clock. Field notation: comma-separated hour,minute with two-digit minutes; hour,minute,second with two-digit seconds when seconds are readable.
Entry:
11,01,54
